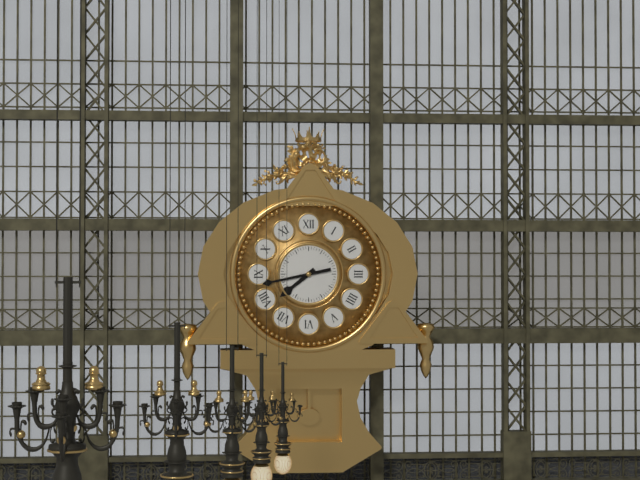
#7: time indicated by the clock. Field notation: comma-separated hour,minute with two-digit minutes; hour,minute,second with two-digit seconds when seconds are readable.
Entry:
7,43
